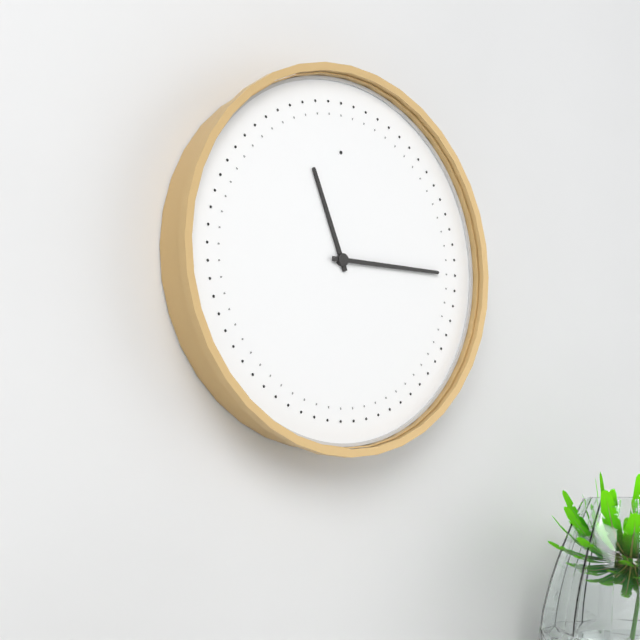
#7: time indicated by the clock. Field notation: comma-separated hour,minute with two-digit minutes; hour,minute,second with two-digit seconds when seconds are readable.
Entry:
11,15
